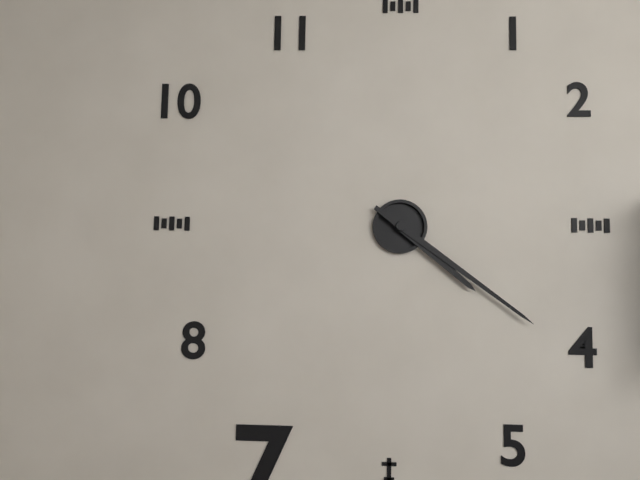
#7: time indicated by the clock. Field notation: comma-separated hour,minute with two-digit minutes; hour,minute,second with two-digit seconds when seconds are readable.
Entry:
4,21
